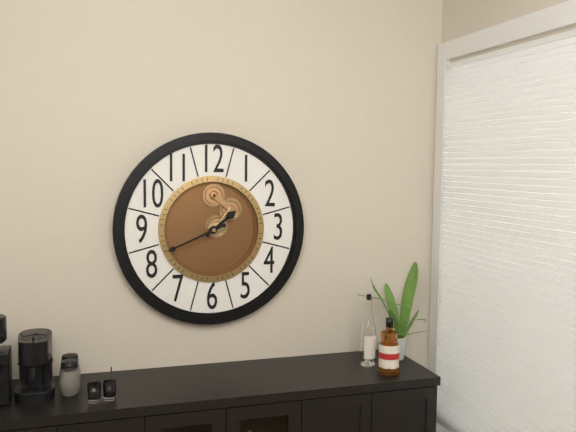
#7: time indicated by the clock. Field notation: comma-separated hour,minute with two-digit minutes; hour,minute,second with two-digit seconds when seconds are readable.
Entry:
1,41
